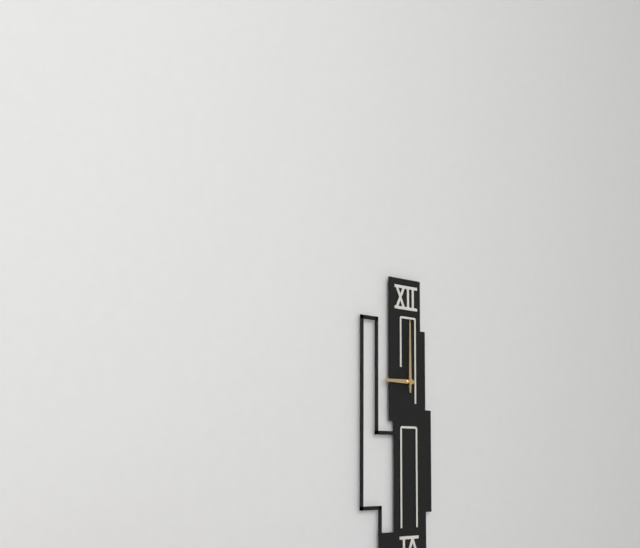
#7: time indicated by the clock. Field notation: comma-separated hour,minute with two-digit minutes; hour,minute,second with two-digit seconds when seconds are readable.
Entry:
9,00
